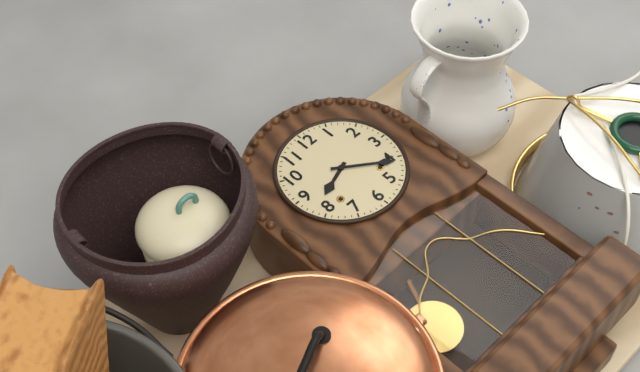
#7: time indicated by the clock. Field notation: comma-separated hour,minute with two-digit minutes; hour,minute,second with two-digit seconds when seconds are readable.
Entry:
8,21
